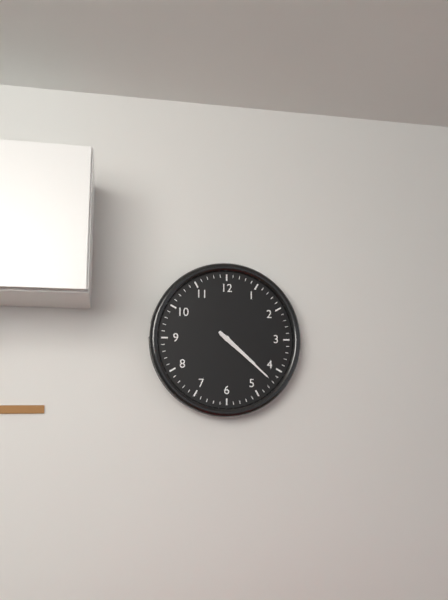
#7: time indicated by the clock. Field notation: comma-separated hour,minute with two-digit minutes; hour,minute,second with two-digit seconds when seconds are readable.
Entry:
4,22
